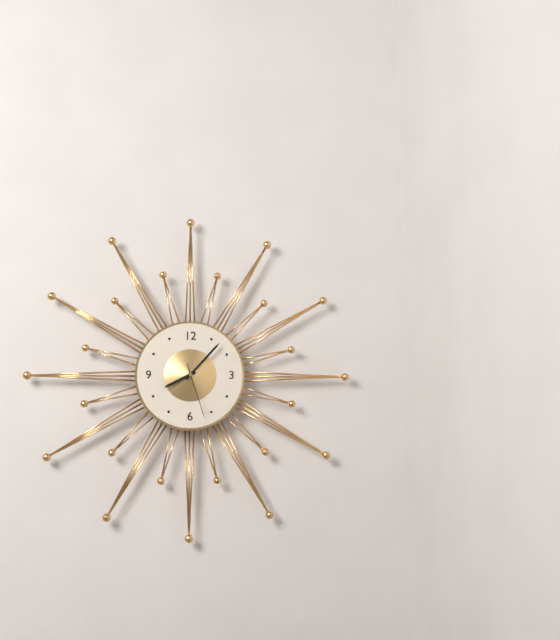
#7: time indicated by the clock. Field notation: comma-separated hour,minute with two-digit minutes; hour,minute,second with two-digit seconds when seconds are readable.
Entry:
8,07,27
